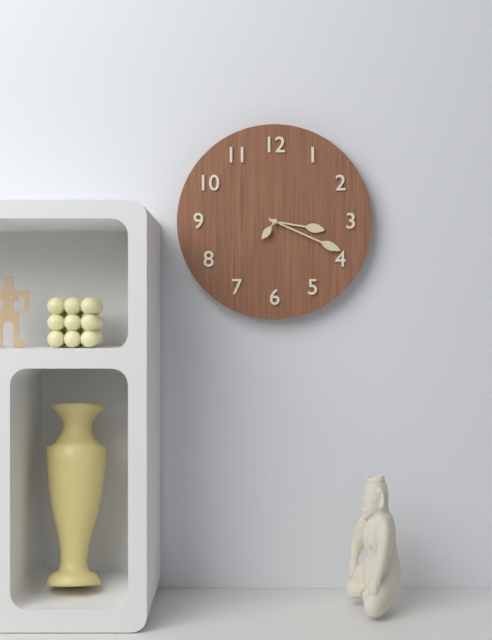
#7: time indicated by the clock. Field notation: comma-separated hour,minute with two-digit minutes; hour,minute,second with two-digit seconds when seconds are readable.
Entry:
3,19
